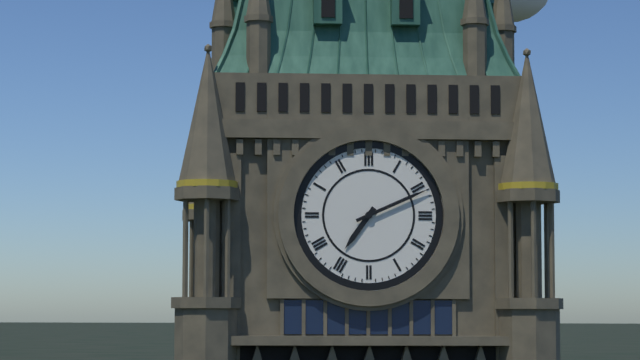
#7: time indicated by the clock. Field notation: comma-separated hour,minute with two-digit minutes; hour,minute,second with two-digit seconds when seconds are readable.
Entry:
7,11
